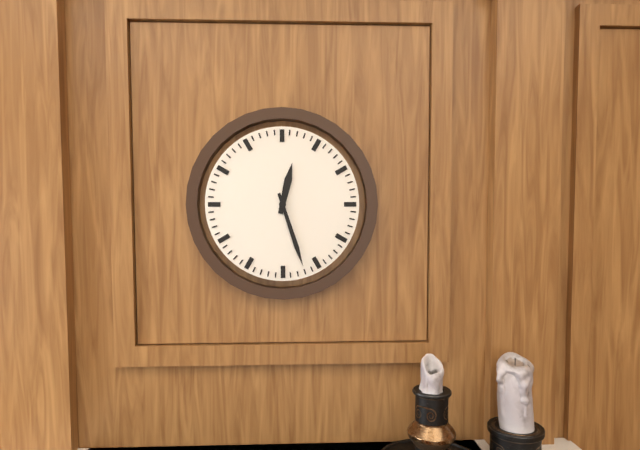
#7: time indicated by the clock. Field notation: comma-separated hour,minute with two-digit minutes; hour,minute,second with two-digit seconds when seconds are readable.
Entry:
12,27
